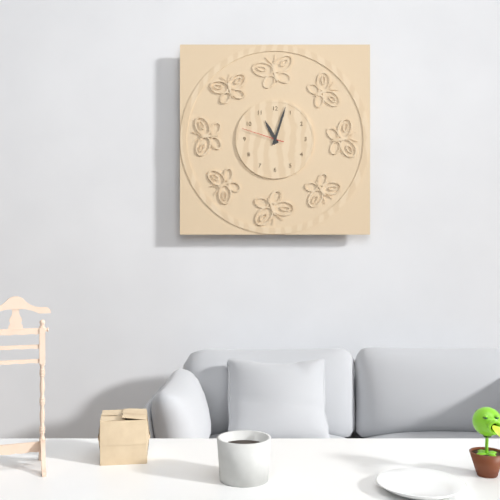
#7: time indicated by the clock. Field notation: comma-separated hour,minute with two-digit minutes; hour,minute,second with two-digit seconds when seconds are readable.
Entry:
11,03
